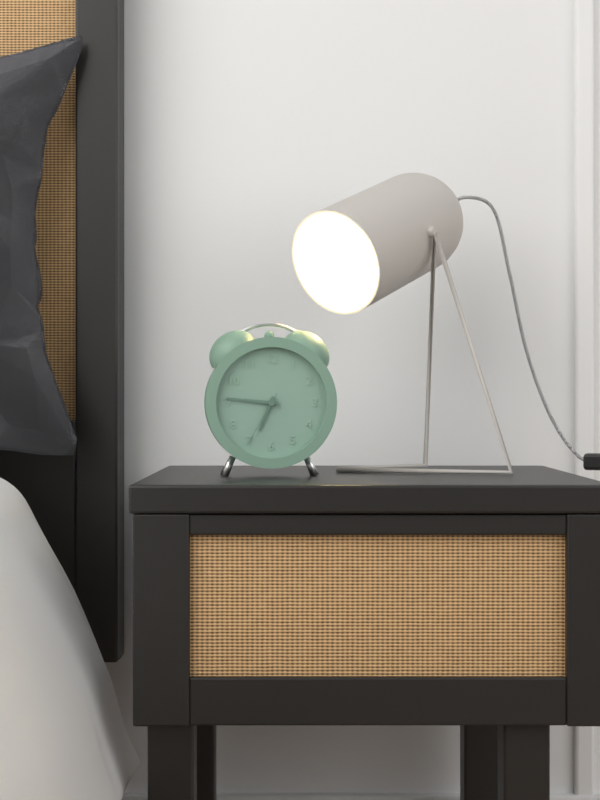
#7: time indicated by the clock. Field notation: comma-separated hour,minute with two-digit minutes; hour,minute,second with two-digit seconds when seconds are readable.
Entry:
6,46,35
